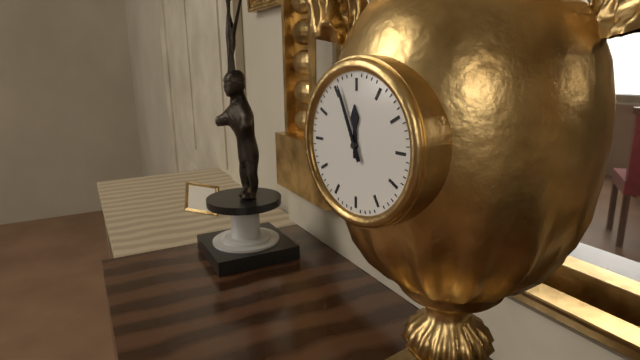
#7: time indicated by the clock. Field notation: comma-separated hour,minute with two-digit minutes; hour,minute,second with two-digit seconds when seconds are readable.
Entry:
11,56
